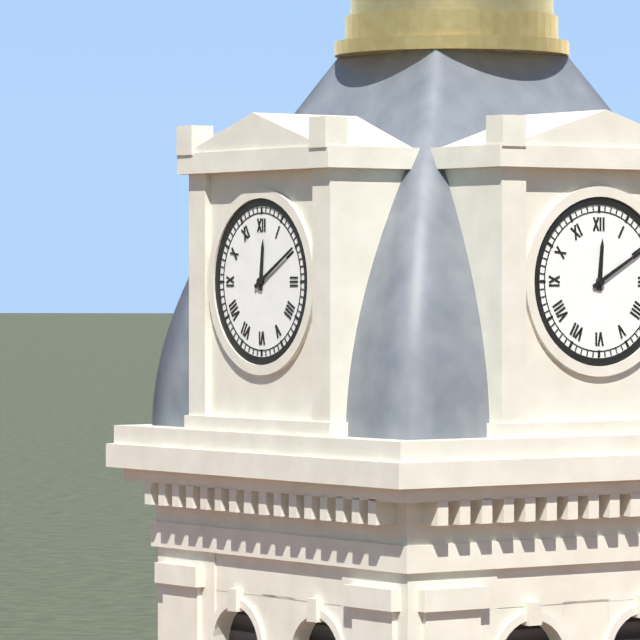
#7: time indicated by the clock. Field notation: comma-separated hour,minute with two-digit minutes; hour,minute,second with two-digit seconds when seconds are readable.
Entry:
12,10
